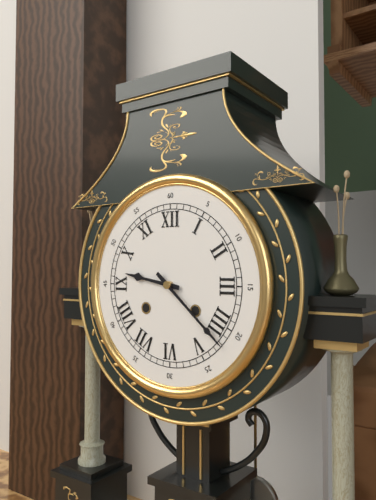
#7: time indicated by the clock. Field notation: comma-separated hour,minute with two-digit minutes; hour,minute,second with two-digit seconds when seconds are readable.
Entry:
9,22
